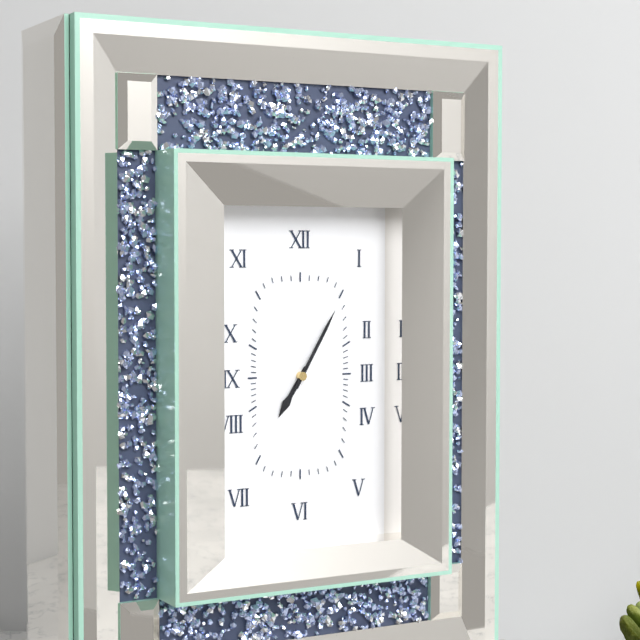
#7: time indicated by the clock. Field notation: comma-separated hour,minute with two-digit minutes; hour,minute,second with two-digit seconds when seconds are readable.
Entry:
7,05
